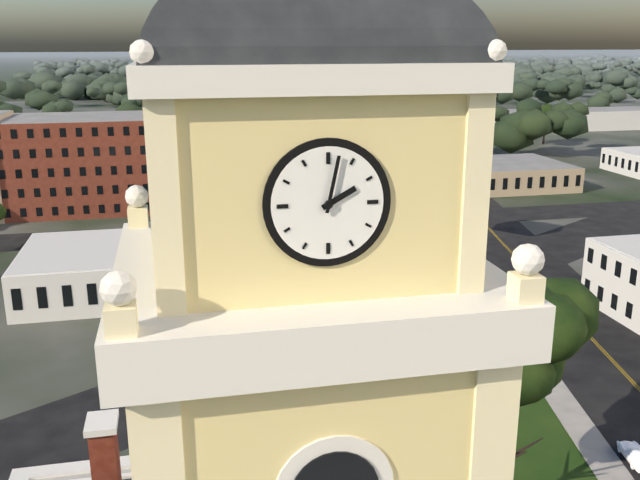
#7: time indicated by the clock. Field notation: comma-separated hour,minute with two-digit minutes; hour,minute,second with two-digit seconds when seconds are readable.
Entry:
2,02
